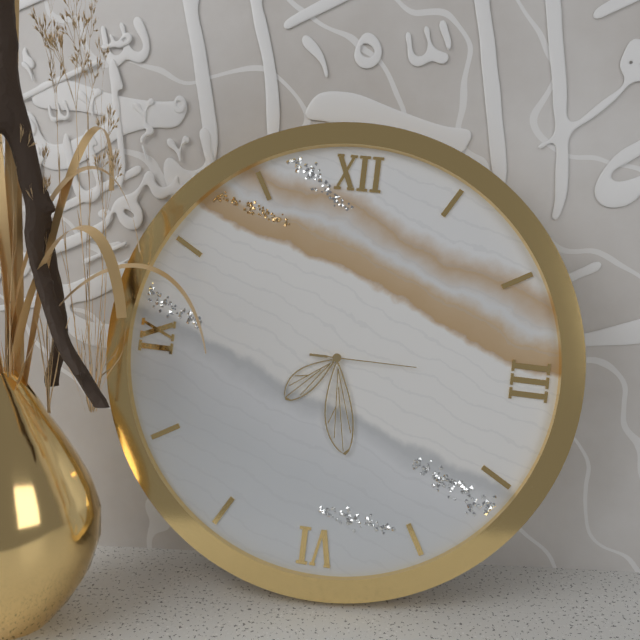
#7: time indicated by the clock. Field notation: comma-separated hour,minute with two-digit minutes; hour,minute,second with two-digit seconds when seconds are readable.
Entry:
7,28,15
